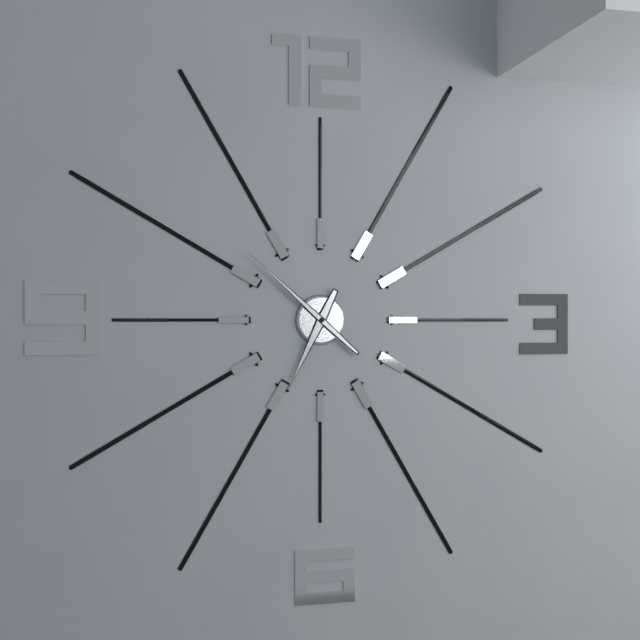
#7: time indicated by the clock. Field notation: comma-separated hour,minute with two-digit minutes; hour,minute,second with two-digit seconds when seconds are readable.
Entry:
6,52
